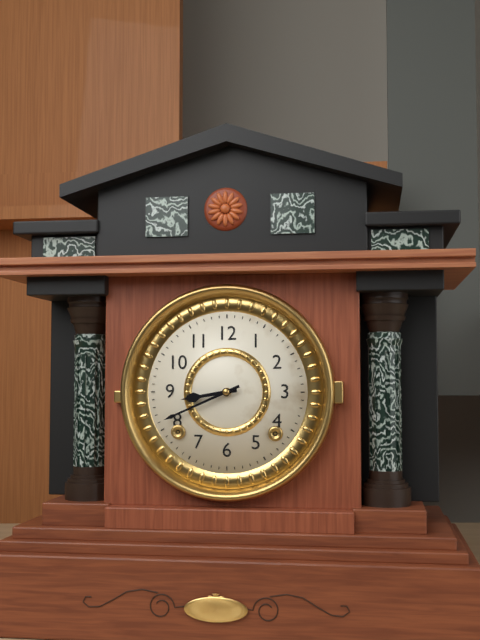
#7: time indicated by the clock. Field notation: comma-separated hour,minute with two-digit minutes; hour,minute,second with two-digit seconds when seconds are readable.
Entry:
8,41
